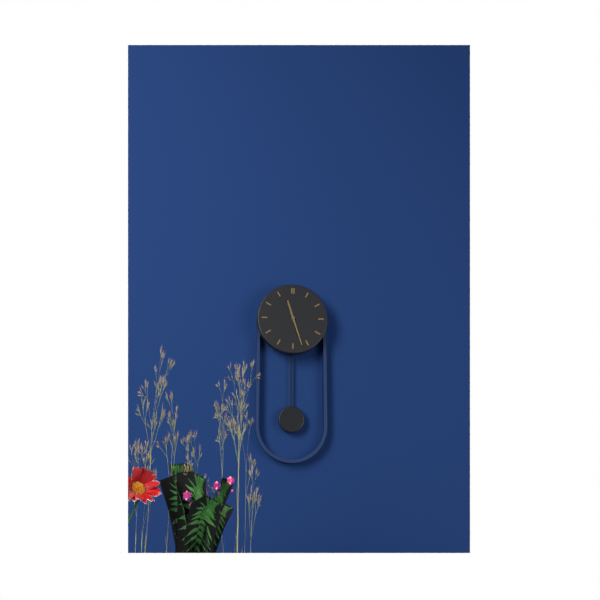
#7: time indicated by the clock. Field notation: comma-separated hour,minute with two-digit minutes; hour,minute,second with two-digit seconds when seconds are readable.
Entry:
11,27
